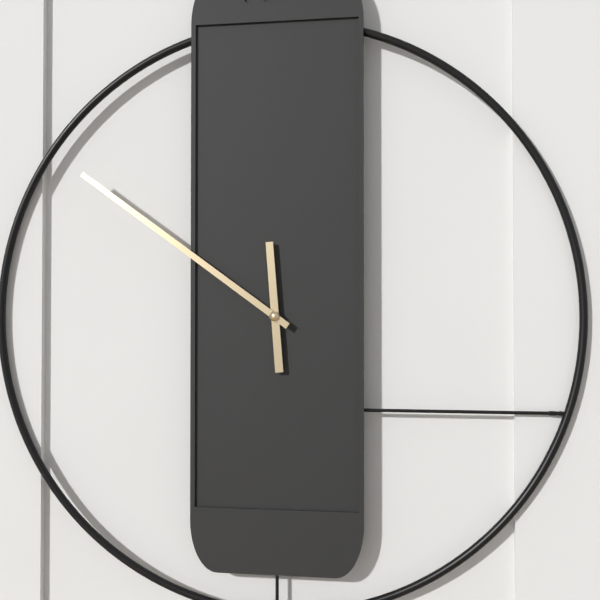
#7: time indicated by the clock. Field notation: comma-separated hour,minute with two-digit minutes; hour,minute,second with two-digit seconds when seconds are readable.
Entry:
11,51
